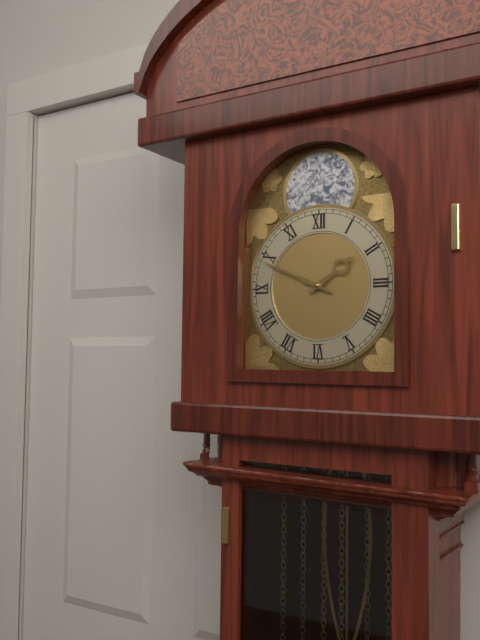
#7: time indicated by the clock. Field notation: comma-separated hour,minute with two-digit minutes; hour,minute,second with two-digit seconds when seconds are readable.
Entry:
1,49
